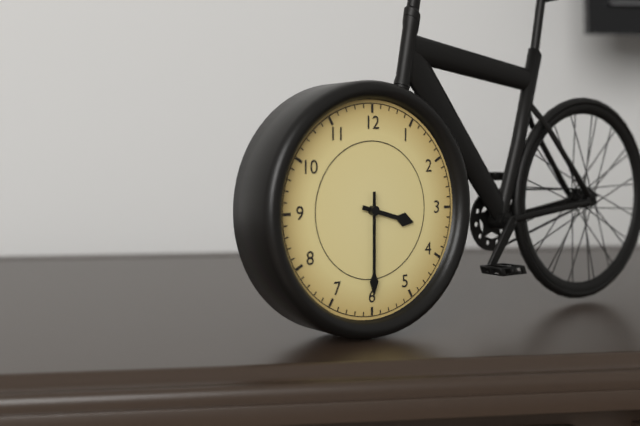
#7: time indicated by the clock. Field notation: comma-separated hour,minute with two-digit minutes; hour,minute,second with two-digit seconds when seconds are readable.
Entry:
3,30
